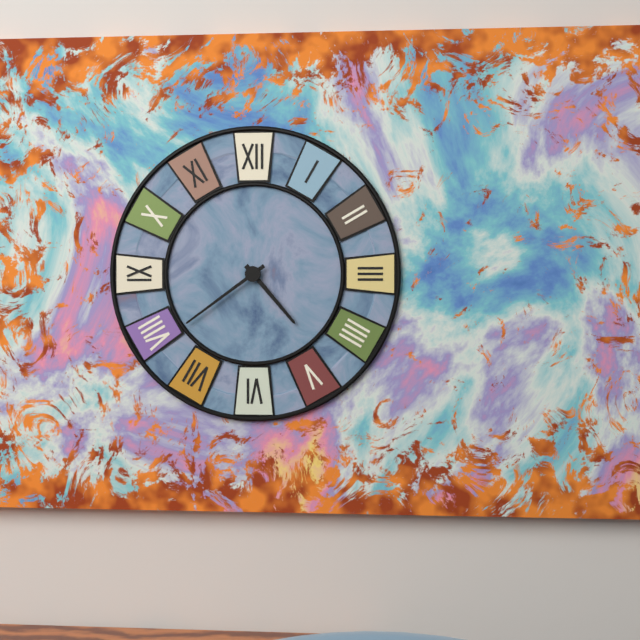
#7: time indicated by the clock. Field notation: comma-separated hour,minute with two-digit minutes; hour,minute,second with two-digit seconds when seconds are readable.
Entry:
4,39
